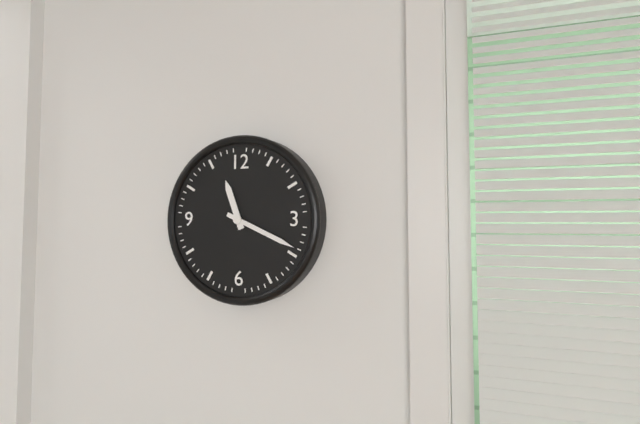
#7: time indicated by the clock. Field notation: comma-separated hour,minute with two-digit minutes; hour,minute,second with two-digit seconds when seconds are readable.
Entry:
11,19
